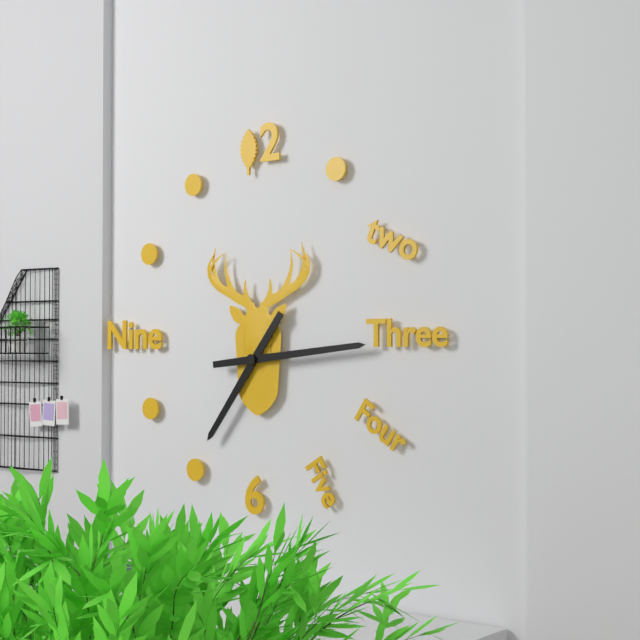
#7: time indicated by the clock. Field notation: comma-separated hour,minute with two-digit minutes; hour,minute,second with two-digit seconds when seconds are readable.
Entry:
7,14
